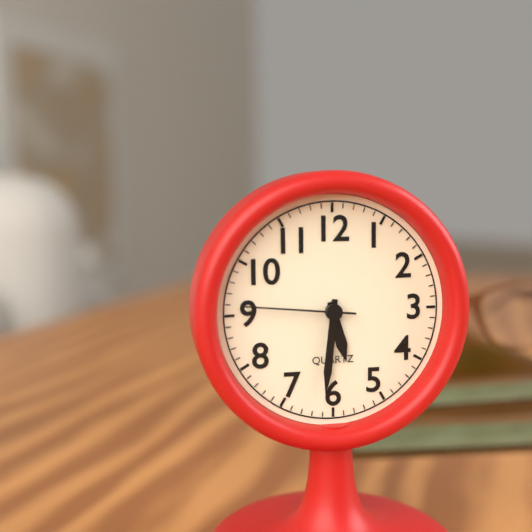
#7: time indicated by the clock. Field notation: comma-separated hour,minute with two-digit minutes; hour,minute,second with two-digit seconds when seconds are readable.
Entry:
5,31,46
